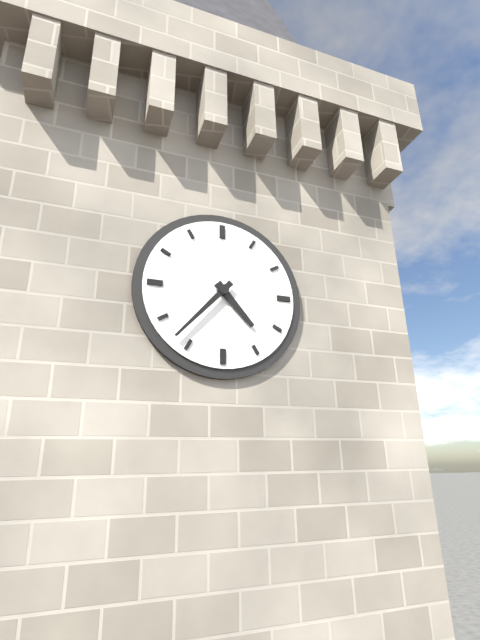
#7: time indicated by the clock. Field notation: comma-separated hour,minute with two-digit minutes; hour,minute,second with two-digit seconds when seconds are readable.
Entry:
4,37
